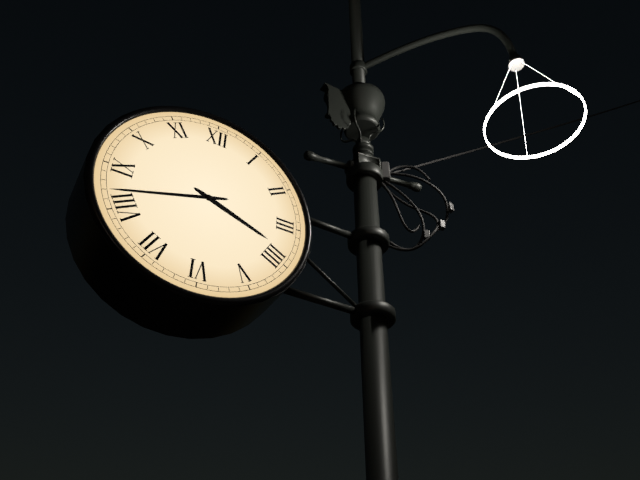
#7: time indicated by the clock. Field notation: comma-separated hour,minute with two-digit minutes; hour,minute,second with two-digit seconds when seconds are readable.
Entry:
3,42
